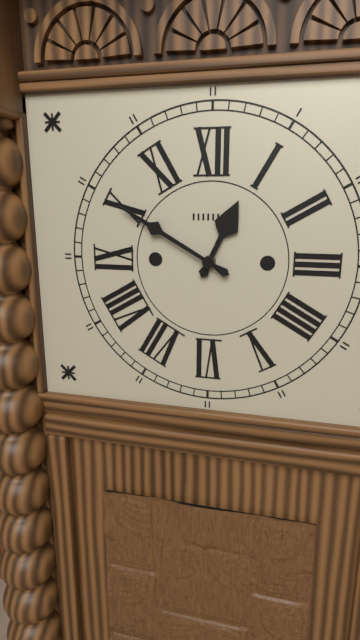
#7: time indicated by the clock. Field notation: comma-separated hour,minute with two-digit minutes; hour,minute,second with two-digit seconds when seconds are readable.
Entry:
12,50
